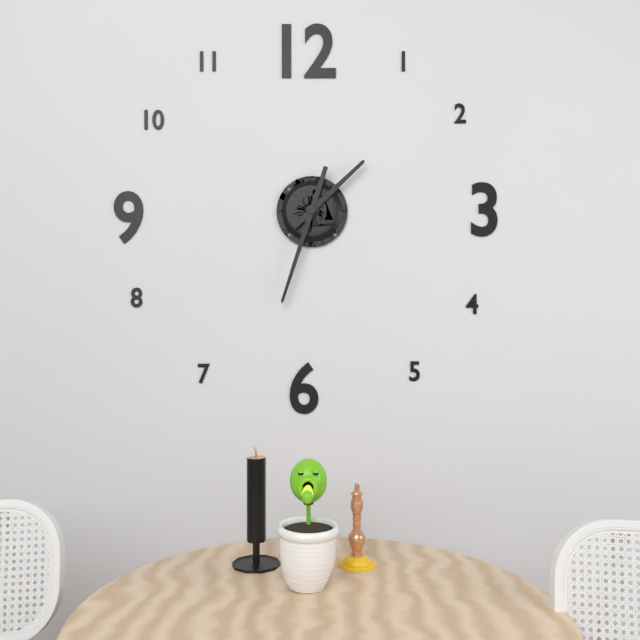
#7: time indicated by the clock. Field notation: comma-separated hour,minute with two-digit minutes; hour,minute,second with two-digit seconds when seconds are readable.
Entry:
1,33
